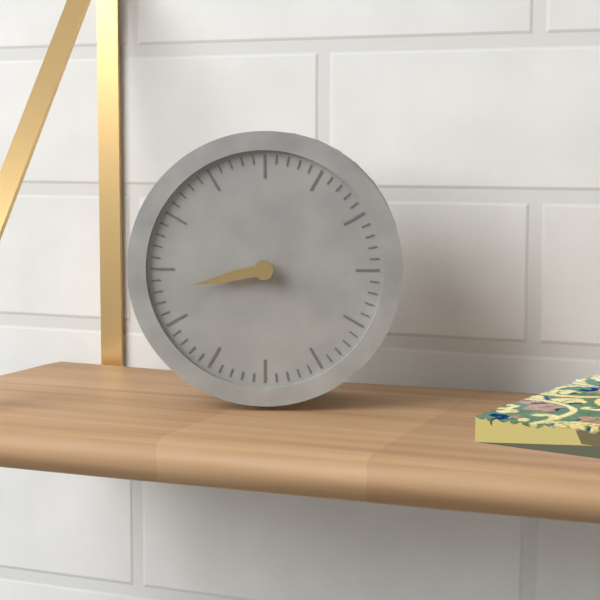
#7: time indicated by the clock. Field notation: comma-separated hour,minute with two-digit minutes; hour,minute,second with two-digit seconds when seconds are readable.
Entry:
8,43
